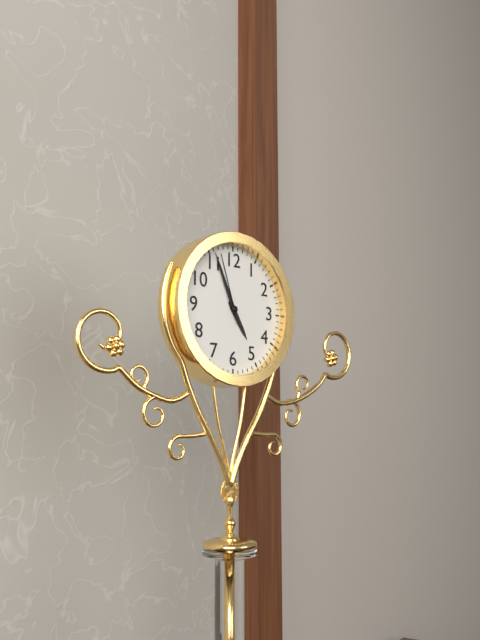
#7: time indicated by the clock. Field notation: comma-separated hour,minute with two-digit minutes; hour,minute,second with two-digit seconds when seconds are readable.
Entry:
4,56,57
